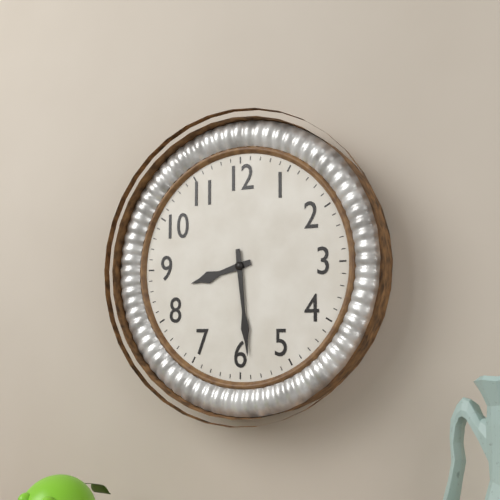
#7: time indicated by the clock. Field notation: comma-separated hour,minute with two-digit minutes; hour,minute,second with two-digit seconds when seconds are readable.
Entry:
8,29
